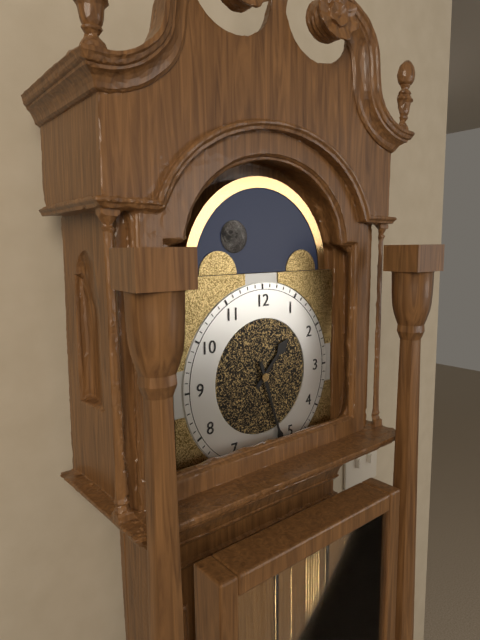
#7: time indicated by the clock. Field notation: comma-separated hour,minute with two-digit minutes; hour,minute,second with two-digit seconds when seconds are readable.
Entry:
1,27
